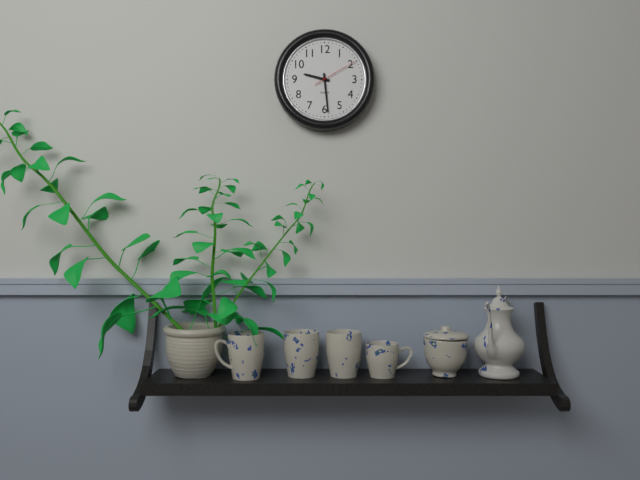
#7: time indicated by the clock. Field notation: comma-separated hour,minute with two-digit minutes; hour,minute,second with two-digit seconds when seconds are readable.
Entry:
9,29
